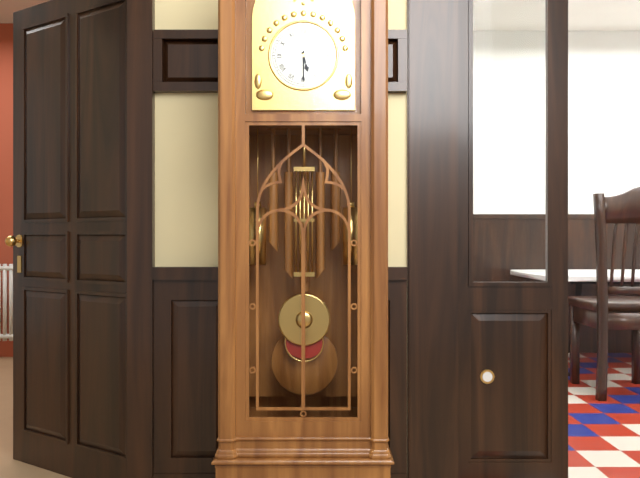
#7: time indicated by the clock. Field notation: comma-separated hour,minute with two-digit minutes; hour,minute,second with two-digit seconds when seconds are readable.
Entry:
5,30
